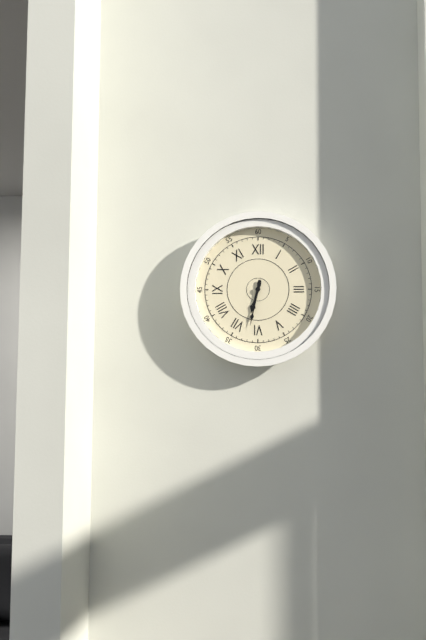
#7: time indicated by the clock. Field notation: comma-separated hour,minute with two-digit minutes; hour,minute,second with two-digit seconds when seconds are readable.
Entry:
6,32
